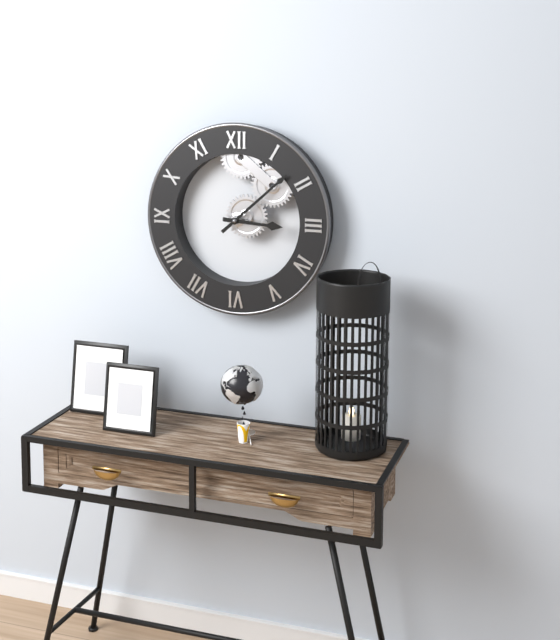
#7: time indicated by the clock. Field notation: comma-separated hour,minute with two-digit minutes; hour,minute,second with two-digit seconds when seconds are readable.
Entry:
3,08
